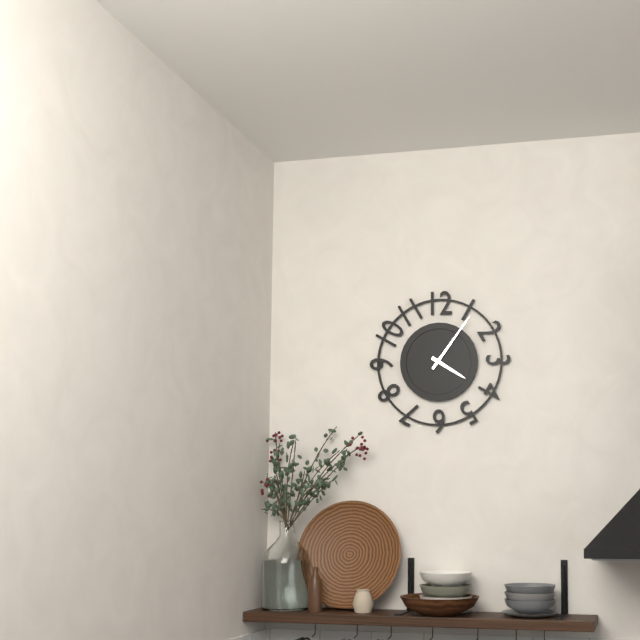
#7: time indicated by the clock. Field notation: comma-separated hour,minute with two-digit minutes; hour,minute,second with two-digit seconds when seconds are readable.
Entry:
4,06
